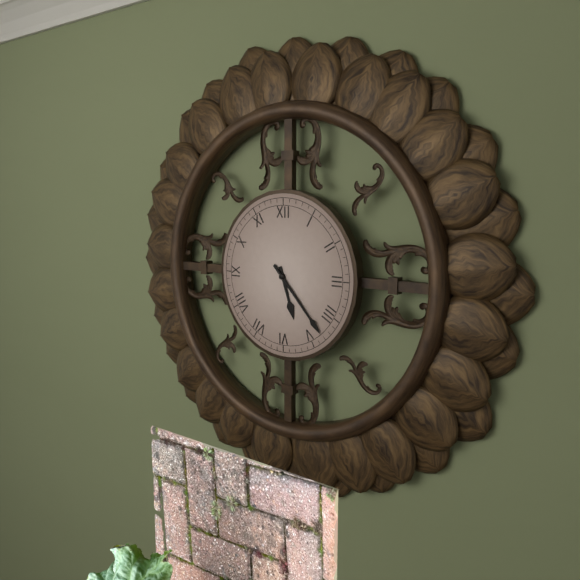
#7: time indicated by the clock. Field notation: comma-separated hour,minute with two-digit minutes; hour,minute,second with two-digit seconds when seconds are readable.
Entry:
5,23
